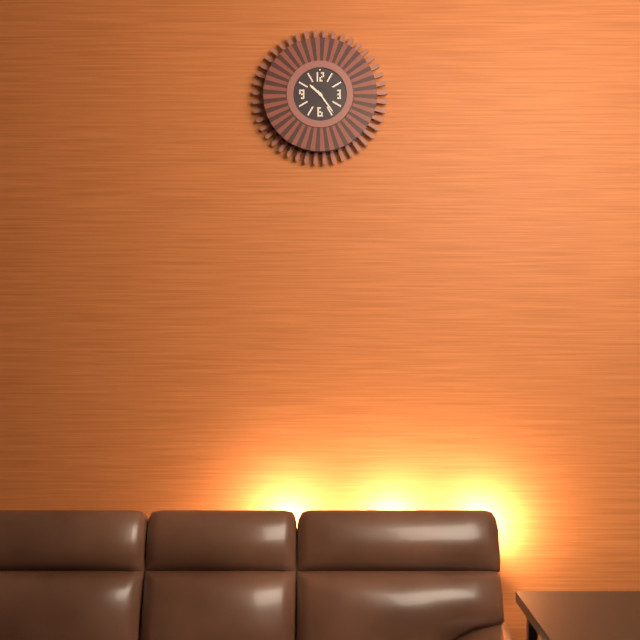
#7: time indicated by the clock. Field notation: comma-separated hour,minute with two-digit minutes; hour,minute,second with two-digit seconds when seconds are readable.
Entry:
10,24
